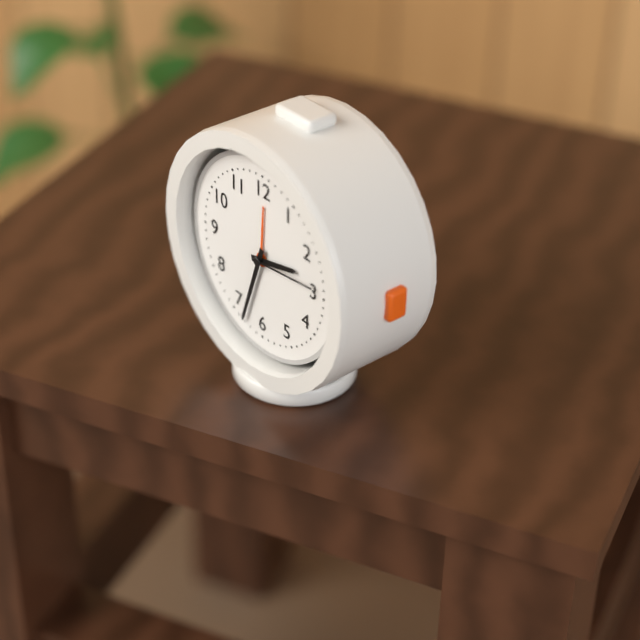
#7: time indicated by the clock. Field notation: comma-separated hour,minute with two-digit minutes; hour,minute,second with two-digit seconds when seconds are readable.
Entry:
2,33,14
